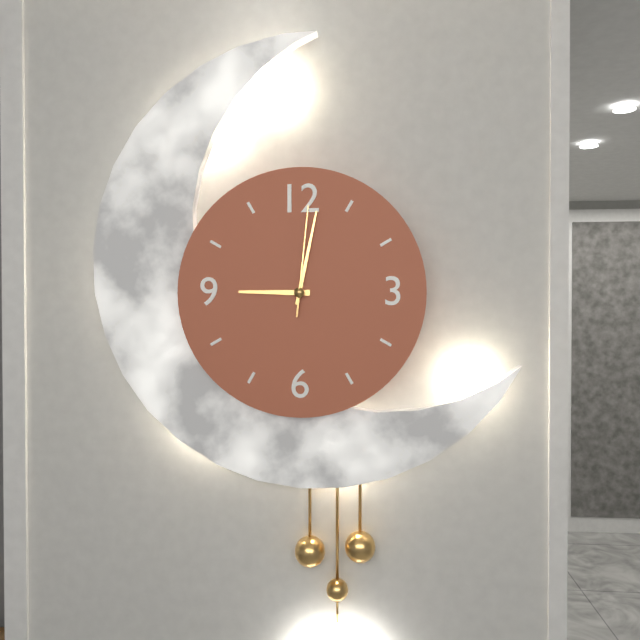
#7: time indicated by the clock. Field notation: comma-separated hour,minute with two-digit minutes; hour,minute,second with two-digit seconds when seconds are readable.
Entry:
9,02,01
